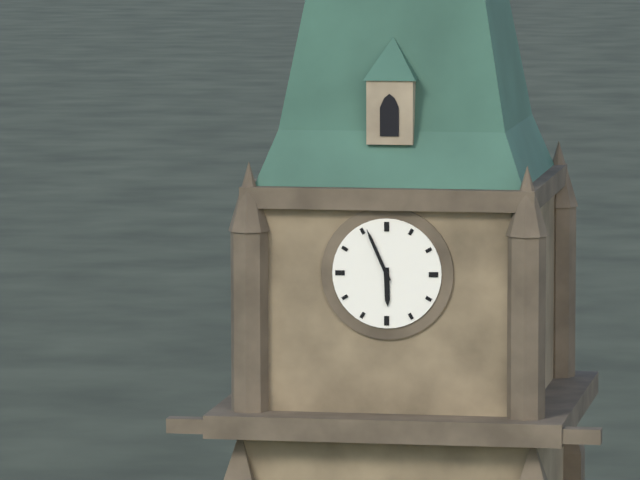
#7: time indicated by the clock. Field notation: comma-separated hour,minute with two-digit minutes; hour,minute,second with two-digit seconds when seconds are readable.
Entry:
5,56
